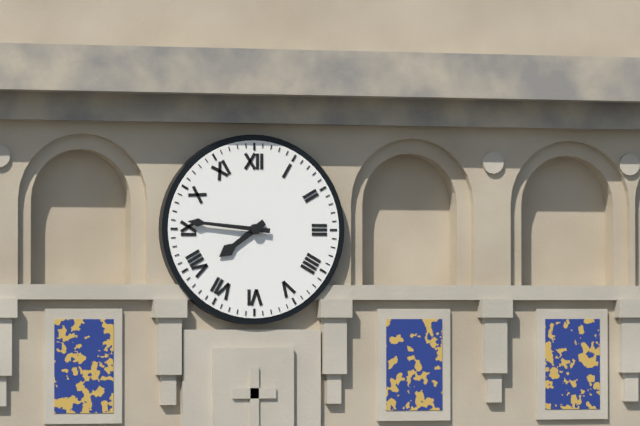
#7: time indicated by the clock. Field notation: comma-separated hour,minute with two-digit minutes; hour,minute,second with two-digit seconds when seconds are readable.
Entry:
7,46
